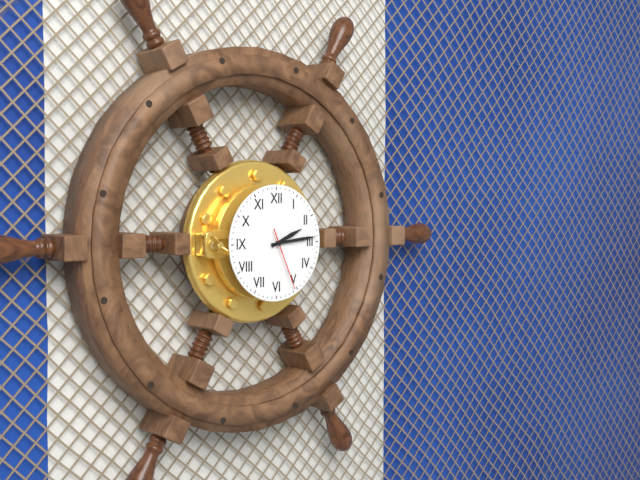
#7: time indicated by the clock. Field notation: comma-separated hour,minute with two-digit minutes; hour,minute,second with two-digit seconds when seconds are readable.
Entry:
2,14,26
